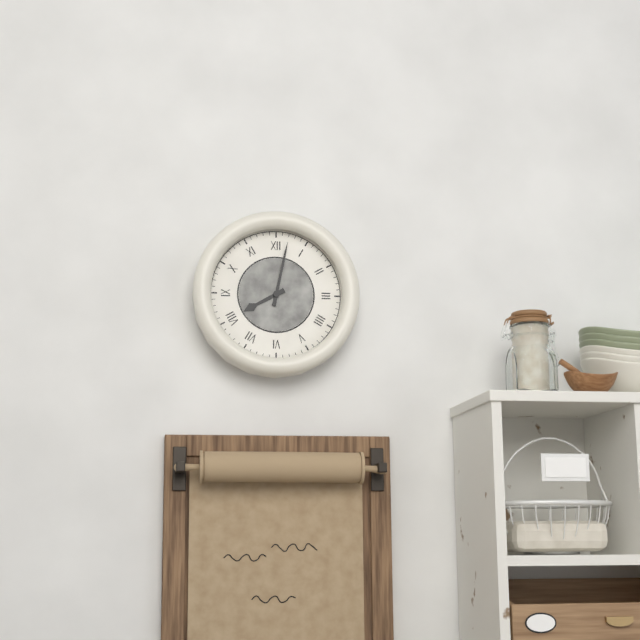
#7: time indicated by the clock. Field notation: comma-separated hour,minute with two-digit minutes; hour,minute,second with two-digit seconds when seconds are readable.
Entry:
8,02
